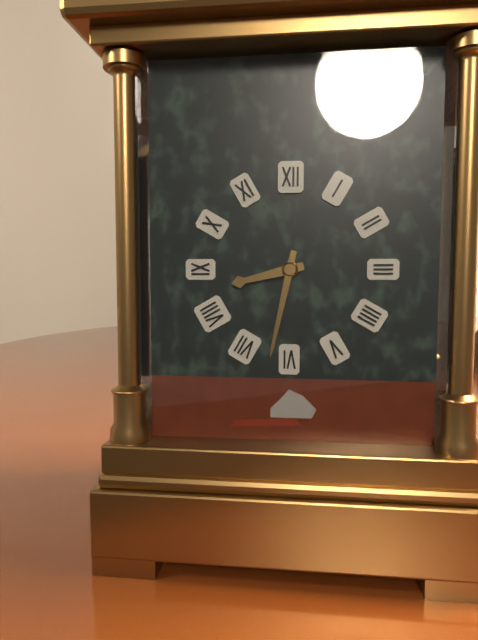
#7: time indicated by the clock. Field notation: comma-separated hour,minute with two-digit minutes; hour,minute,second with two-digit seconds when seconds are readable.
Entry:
8,32
